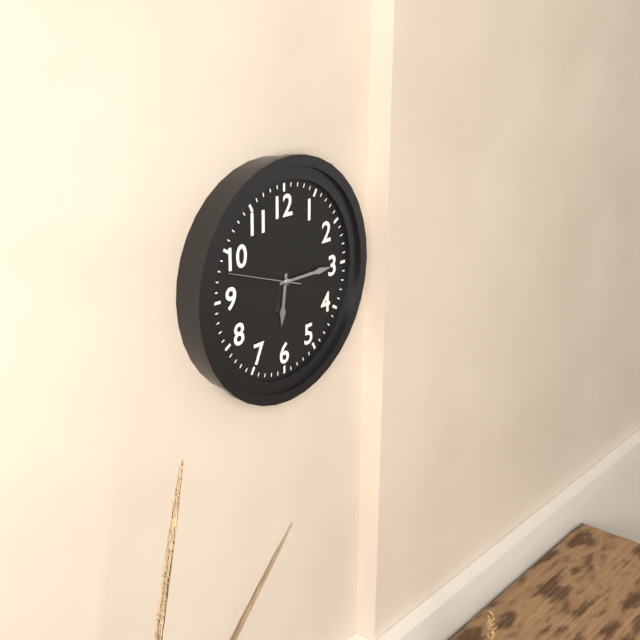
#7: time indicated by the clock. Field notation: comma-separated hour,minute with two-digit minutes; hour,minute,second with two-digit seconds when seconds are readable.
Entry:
6,15,48
